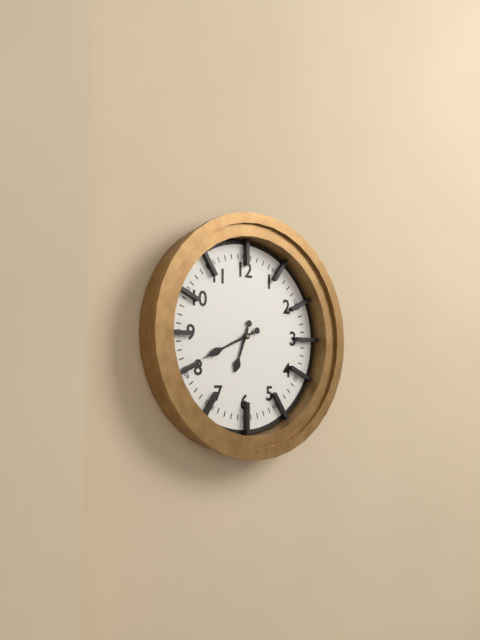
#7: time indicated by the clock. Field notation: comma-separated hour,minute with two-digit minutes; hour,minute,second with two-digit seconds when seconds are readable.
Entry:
6,41,41
